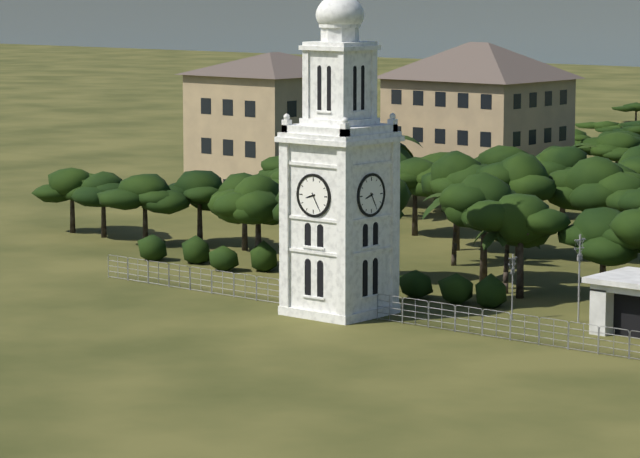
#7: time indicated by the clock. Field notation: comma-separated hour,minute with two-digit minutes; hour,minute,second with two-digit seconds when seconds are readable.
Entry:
8,25
